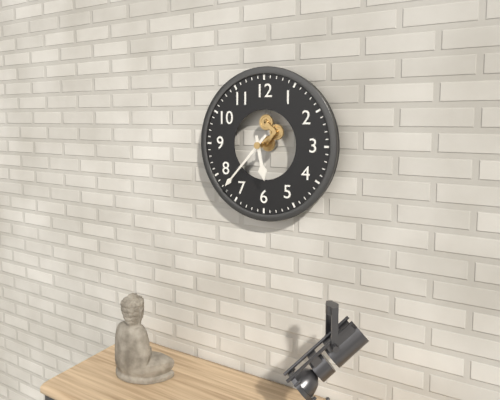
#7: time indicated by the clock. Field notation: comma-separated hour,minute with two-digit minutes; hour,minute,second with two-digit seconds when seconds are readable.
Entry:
5,37
